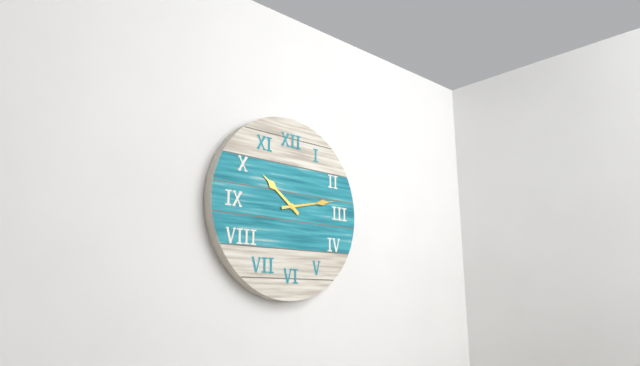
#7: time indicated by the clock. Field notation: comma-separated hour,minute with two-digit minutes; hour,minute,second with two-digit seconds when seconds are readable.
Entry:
10,13
